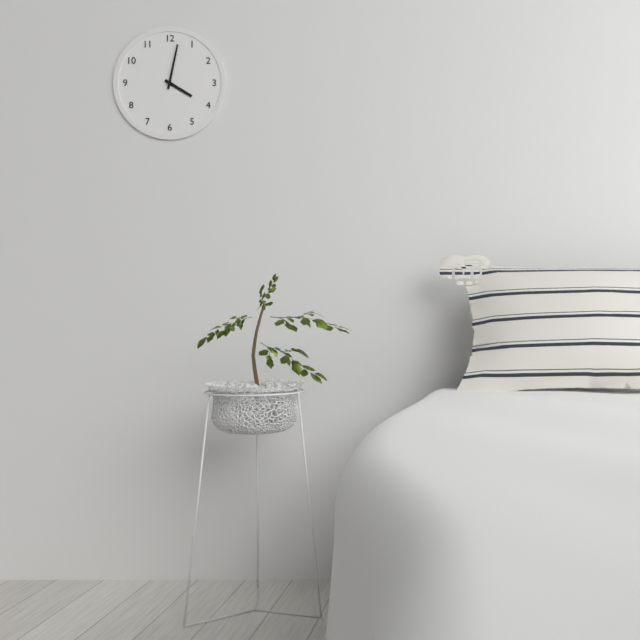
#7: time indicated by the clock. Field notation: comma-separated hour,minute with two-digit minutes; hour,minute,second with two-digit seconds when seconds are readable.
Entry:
4,02
